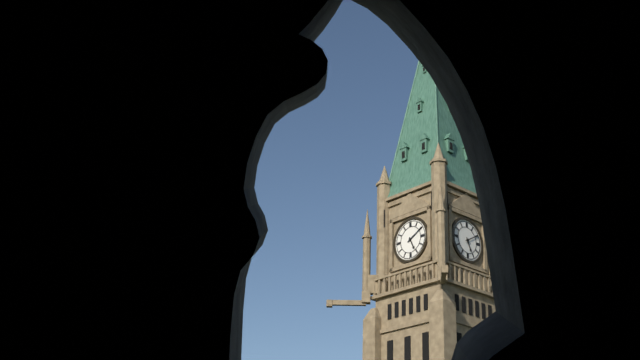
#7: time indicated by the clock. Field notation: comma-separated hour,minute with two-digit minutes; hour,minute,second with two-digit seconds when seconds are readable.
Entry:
5,10
